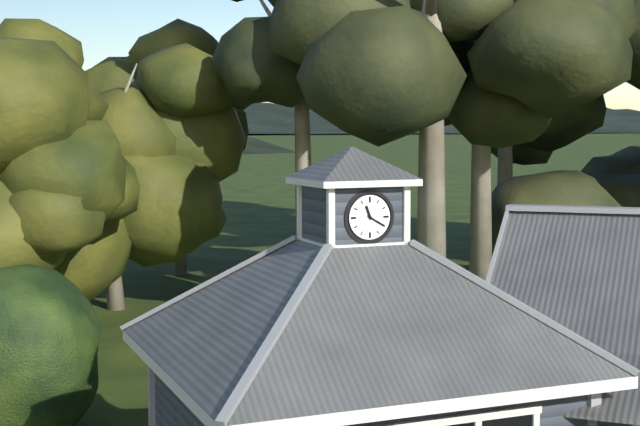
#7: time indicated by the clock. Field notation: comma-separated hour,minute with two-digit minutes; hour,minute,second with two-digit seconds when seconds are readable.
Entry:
11,20
